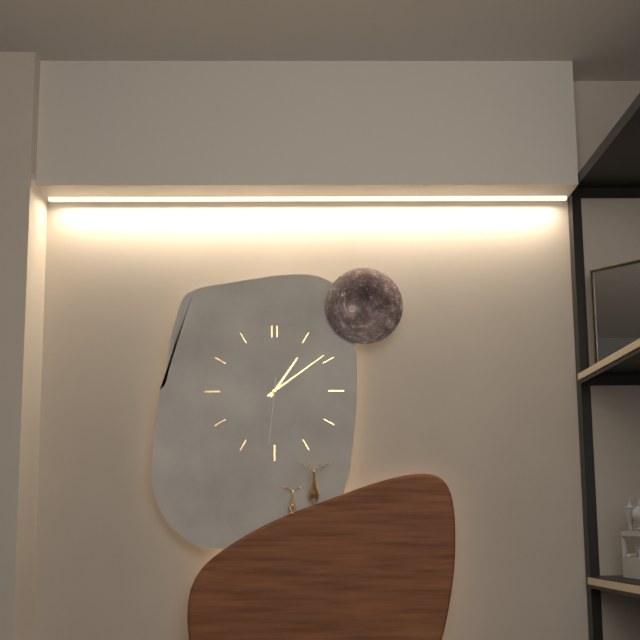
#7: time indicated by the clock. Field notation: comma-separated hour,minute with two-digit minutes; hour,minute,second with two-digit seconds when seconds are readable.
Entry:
1,09,31
